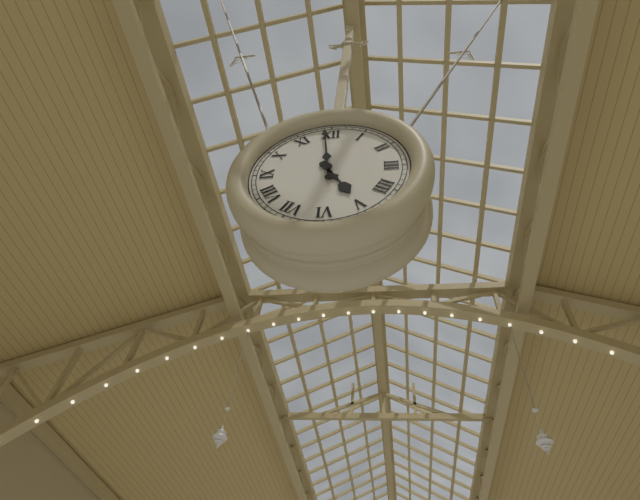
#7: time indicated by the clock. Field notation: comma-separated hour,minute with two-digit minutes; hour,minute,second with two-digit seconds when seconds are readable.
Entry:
4,59
